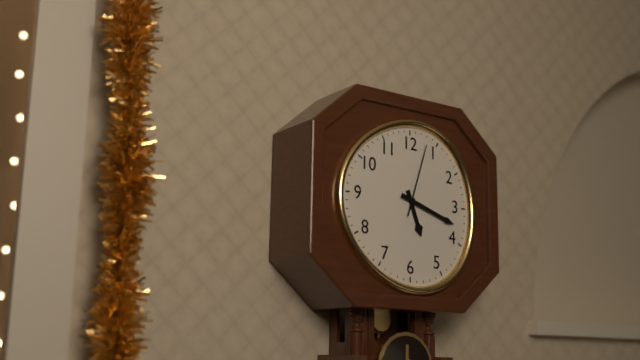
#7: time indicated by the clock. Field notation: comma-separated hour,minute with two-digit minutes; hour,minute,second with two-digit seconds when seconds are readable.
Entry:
5,18,03
